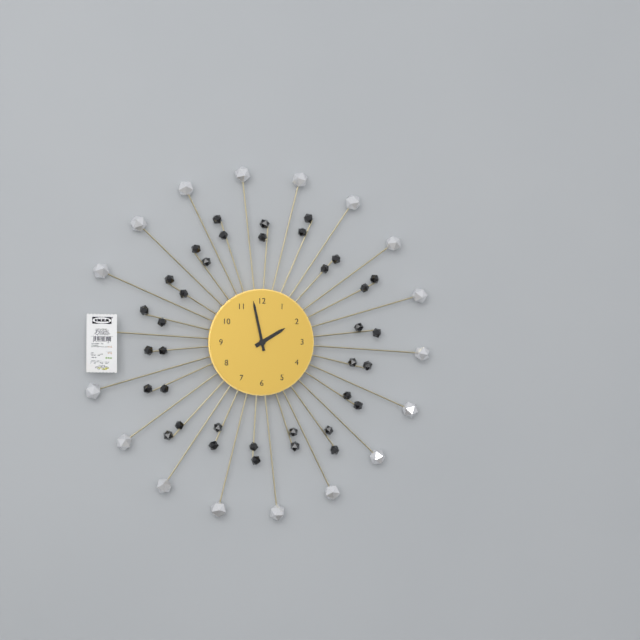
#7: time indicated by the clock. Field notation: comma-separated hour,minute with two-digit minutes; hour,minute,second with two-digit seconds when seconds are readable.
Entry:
1,58
